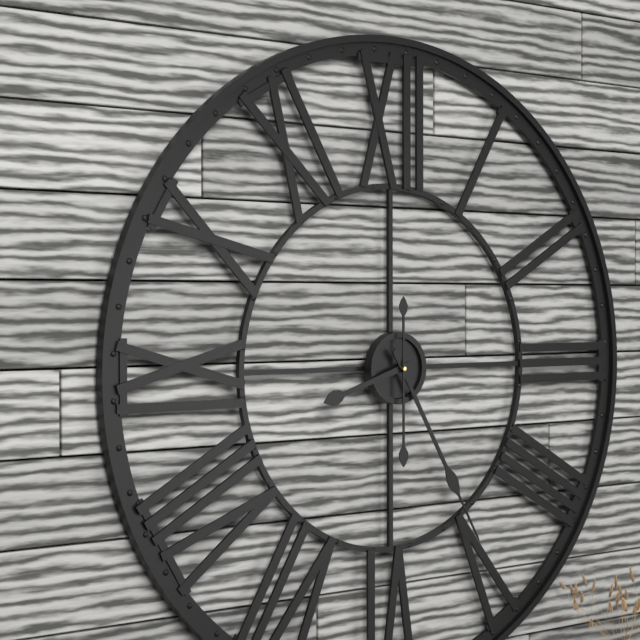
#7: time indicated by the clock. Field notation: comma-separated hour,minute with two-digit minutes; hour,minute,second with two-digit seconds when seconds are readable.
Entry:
8,25,30
